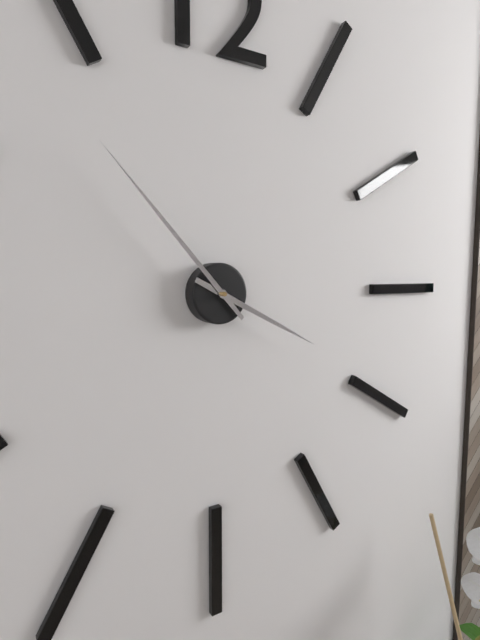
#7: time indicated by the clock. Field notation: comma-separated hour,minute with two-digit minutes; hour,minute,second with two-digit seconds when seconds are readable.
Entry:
3,53
